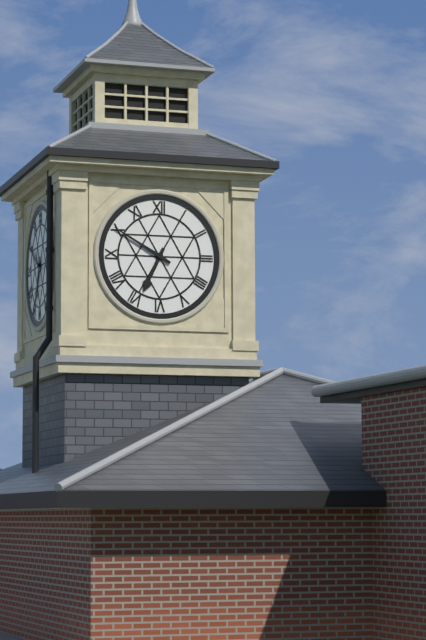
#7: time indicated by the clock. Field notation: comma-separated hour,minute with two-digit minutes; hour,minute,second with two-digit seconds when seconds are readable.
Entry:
6,50
